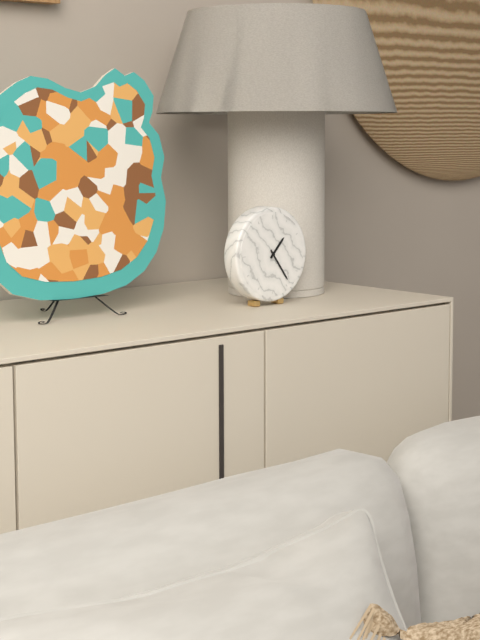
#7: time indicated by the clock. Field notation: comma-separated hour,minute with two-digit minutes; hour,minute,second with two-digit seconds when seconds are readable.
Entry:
1,24
